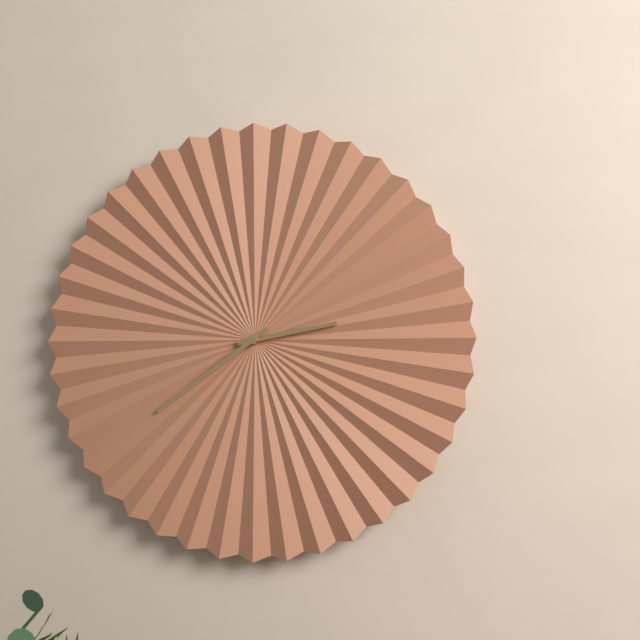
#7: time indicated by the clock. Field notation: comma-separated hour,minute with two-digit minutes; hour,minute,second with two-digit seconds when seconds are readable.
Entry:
2,39
